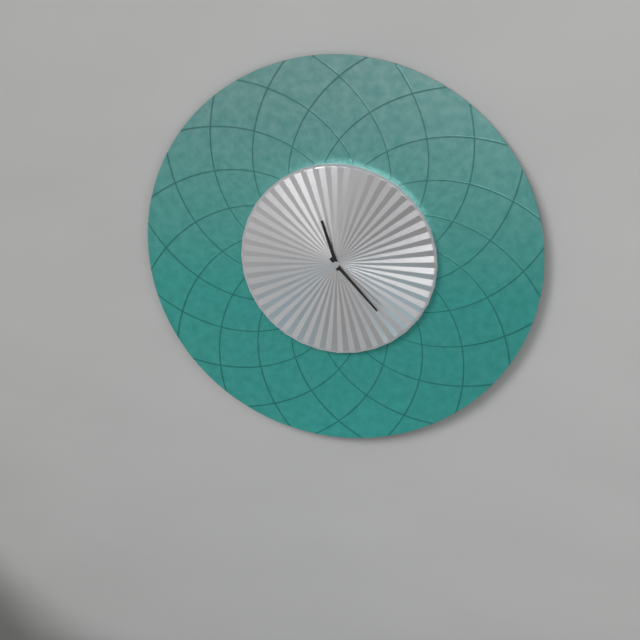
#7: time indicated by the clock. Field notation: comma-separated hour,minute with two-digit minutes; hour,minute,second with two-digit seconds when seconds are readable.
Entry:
11,23
